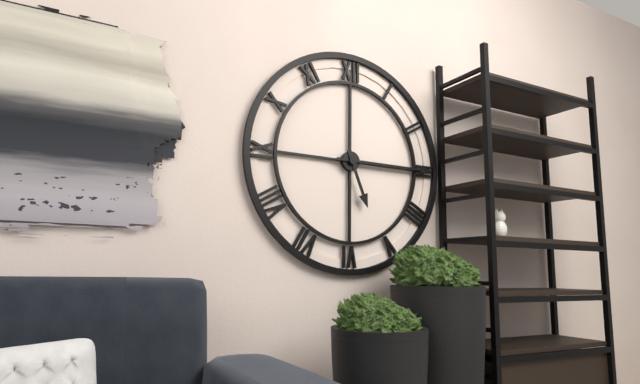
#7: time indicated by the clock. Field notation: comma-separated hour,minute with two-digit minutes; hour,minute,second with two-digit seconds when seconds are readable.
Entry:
5,15
